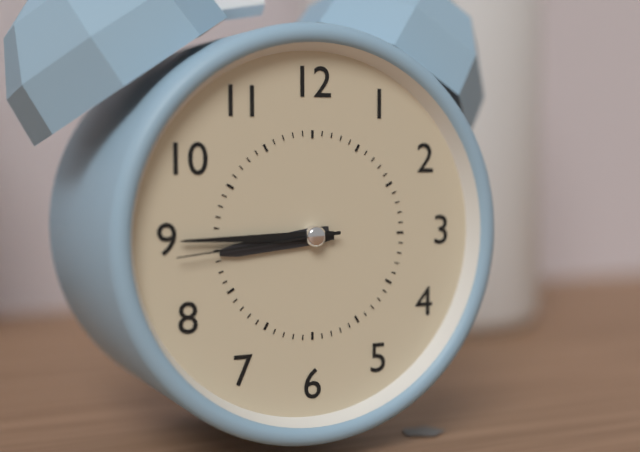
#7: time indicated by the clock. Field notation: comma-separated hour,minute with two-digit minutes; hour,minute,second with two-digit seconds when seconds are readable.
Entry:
8,45,44
